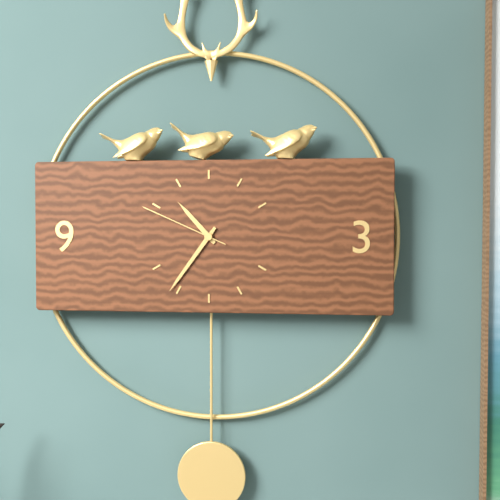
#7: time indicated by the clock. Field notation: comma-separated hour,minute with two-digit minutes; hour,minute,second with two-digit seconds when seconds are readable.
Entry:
10,36,49
